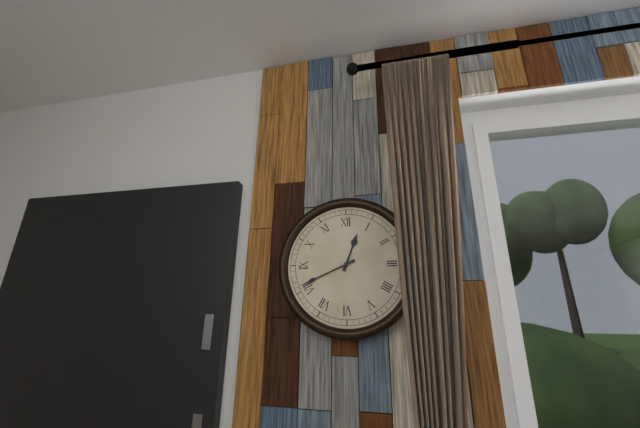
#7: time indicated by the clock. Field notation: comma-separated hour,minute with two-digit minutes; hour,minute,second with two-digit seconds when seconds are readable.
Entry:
12,41
